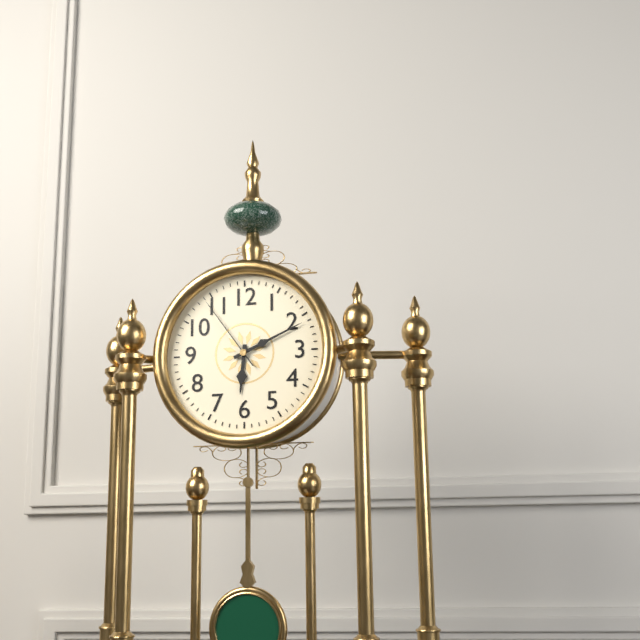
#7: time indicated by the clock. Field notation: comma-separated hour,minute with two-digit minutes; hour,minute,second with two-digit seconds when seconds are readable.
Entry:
6,11,54
